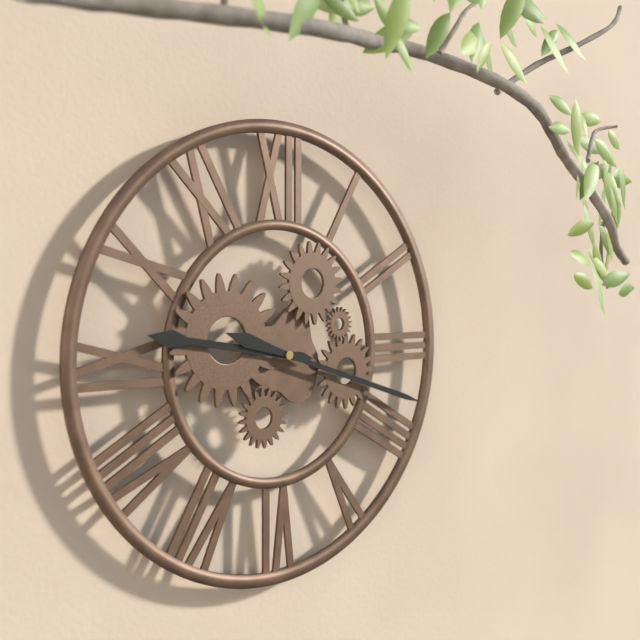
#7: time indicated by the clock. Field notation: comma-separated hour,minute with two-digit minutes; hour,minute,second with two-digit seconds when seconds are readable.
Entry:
9,18
